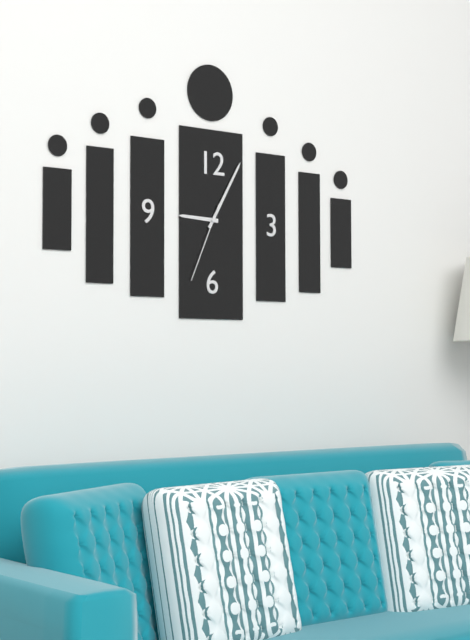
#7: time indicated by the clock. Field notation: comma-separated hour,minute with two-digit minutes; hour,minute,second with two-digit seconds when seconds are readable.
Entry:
9,05,34
